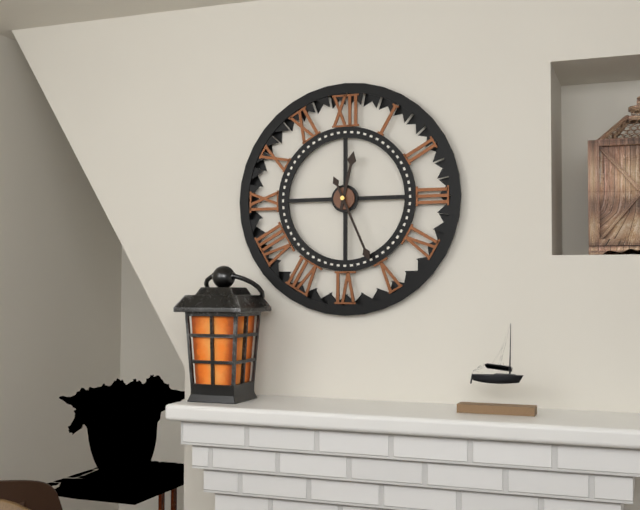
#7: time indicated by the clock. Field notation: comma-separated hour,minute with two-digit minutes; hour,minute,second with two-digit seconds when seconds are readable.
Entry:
12,26
